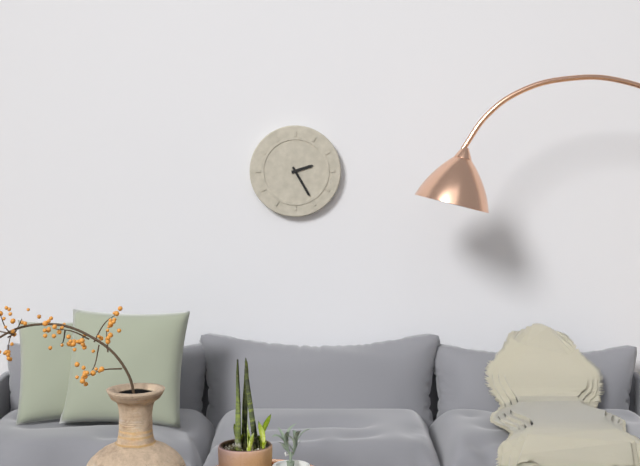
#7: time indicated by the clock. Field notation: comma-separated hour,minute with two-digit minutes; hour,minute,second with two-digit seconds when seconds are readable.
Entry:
2,25
